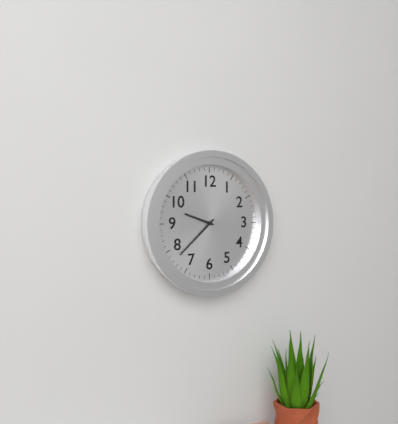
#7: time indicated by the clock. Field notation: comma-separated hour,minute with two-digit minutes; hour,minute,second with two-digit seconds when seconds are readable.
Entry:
9,38
